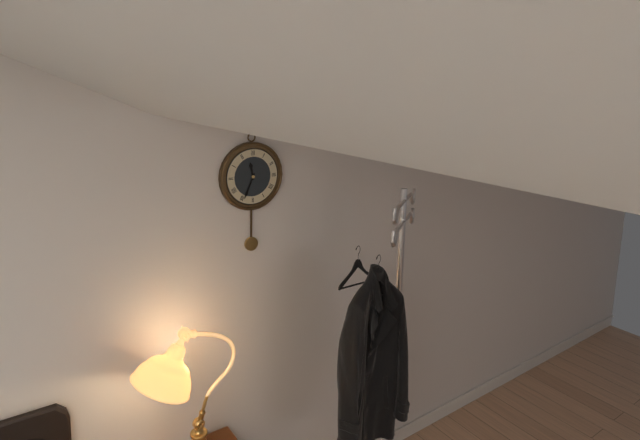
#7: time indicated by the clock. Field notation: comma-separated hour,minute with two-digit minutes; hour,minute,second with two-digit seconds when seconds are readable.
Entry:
11,34
